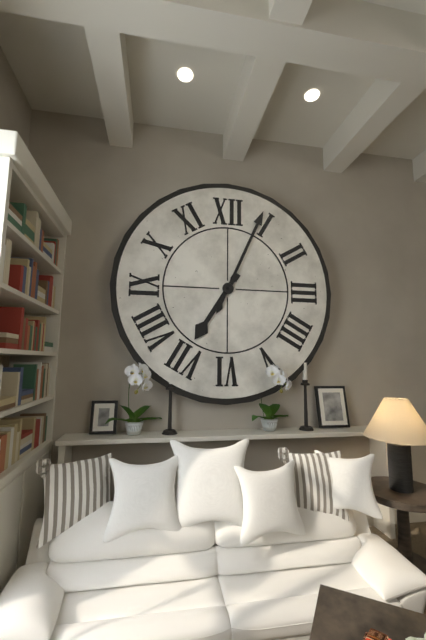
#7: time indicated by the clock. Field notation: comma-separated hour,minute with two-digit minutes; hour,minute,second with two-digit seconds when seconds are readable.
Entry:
7,04
